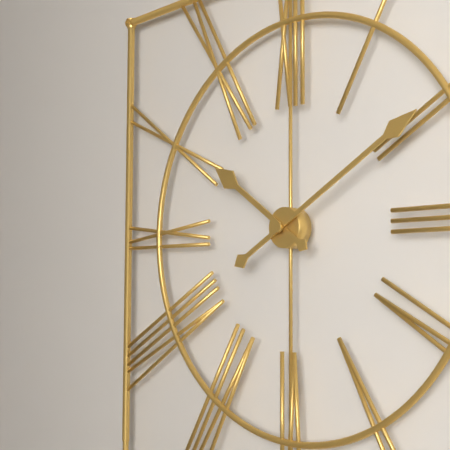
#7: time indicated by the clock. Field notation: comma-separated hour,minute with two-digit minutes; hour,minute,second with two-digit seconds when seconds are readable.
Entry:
10,10
